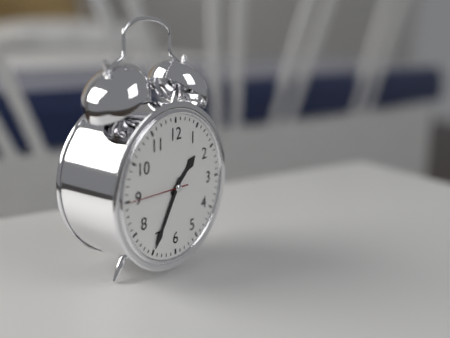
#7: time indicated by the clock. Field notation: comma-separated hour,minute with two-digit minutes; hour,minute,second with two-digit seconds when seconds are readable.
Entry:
1,35,45
